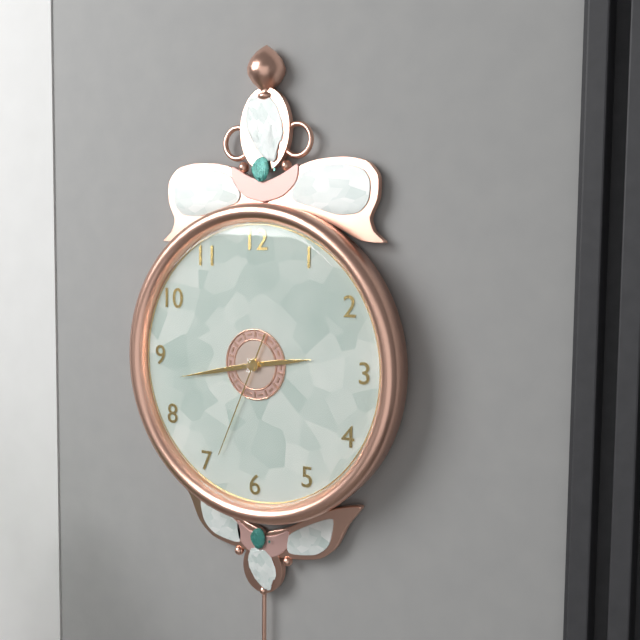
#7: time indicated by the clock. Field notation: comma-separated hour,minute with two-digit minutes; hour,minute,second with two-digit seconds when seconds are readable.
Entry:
2,43,34
